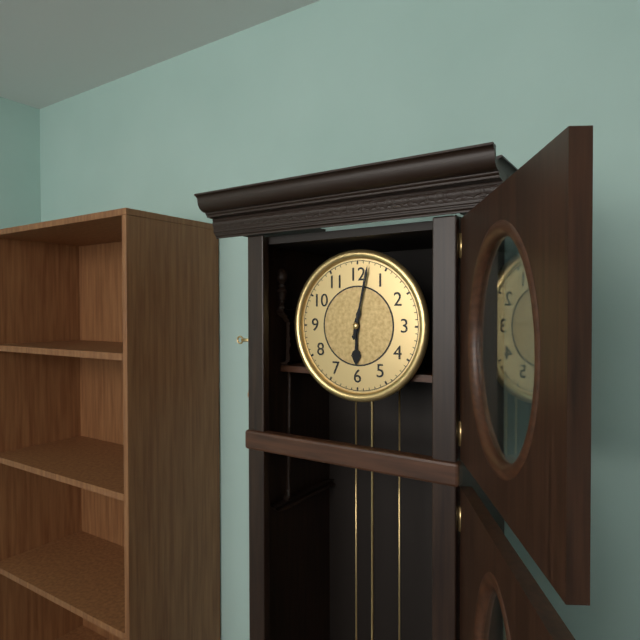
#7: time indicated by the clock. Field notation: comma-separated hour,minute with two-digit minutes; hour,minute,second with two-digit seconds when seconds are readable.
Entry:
6,02
